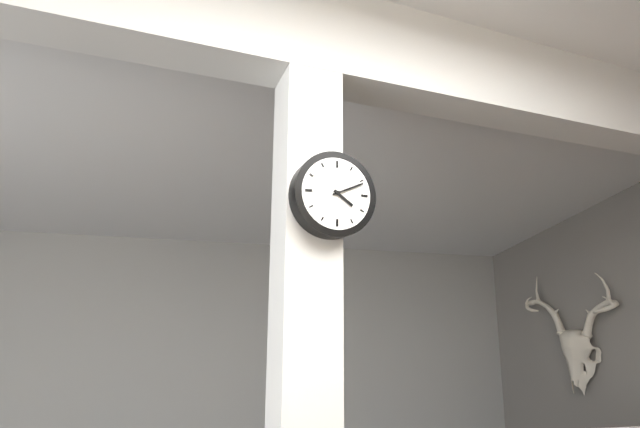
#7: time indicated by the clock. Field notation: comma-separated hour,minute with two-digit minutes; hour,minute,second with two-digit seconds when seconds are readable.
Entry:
4,11
